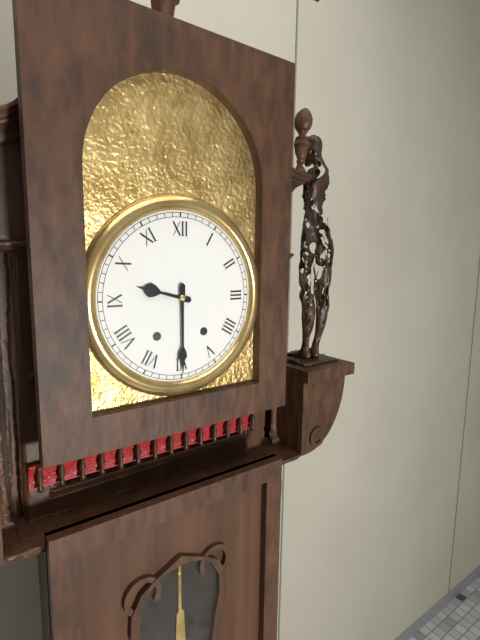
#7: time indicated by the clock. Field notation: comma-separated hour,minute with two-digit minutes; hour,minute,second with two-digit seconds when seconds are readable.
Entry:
9,30
